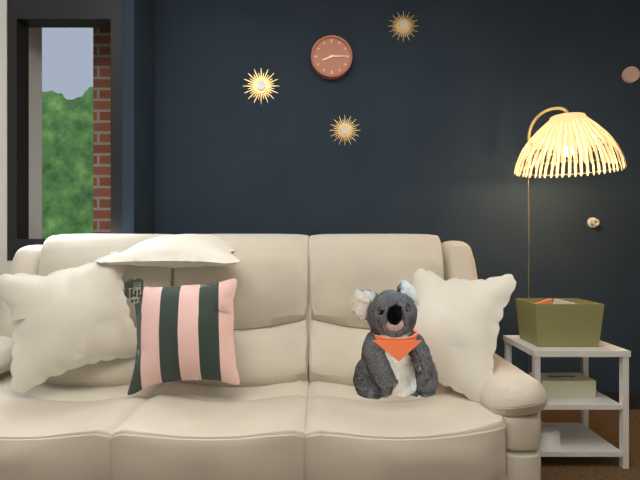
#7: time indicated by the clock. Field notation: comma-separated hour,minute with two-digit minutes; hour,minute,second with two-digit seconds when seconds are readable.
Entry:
8,15
